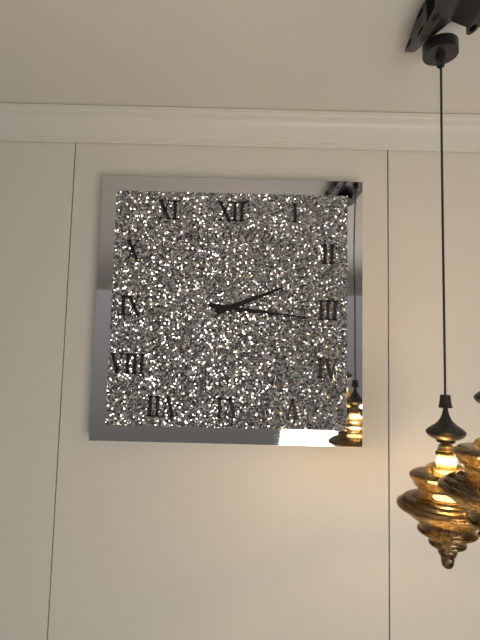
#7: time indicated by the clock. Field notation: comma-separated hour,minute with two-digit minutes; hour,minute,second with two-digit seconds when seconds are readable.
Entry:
2,16
